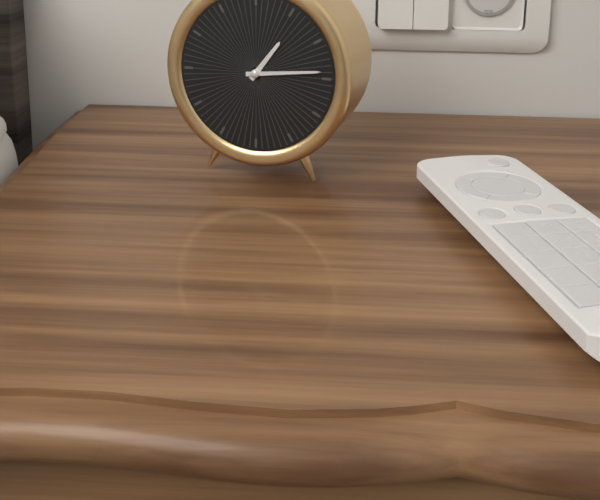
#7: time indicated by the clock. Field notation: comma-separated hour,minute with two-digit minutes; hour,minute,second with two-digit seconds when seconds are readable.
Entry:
1,14
